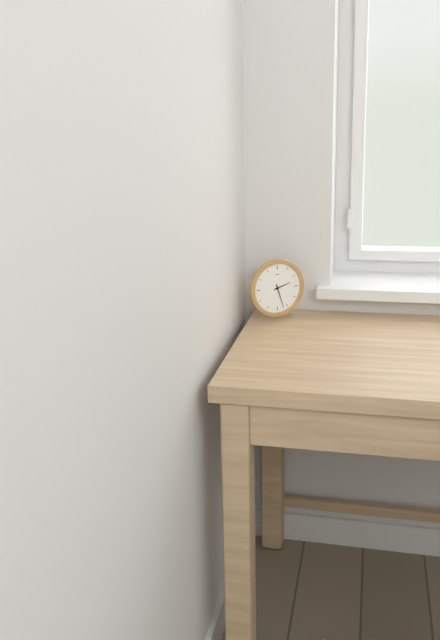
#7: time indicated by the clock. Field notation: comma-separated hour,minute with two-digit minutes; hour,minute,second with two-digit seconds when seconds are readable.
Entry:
2,27
